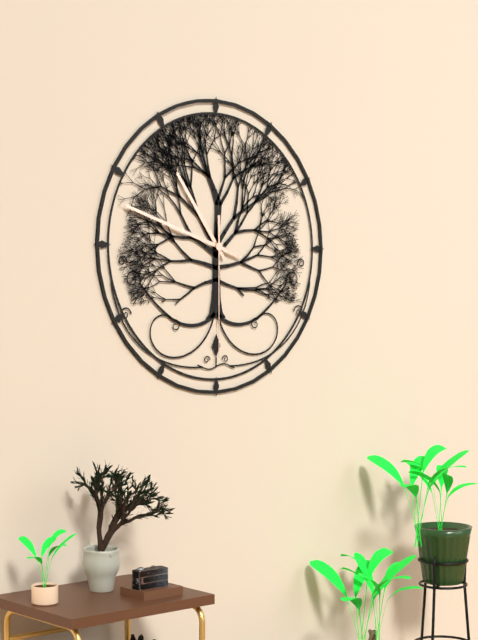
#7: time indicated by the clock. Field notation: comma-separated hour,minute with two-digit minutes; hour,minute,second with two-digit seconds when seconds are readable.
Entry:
10,48,30
